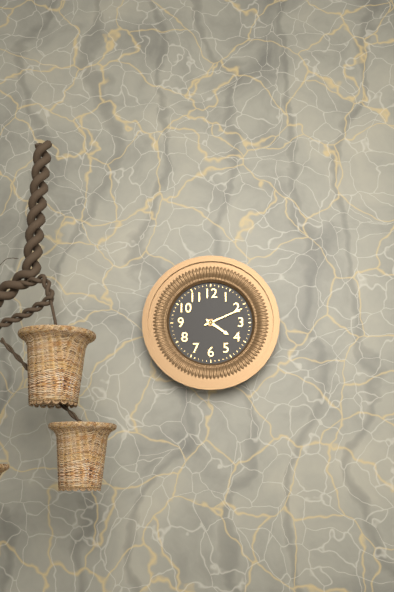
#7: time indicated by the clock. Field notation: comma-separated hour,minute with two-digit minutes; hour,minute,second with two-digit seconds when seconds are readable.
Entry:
4,11
